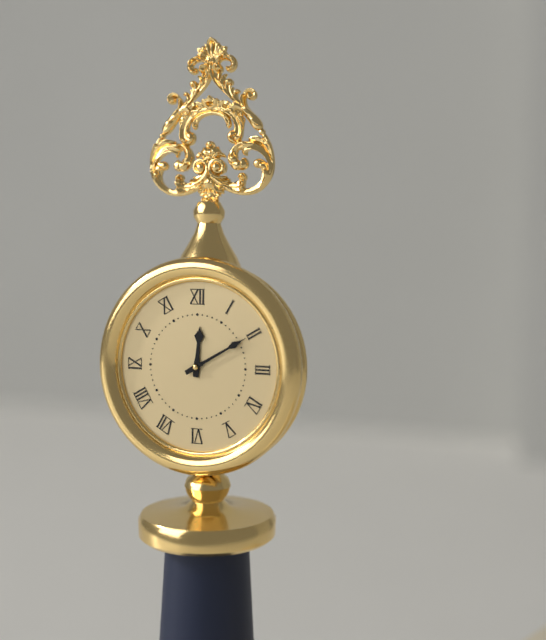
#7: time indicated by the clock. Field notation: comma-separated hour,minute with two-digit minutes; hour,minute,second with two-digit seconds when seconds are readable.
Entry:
12,10
